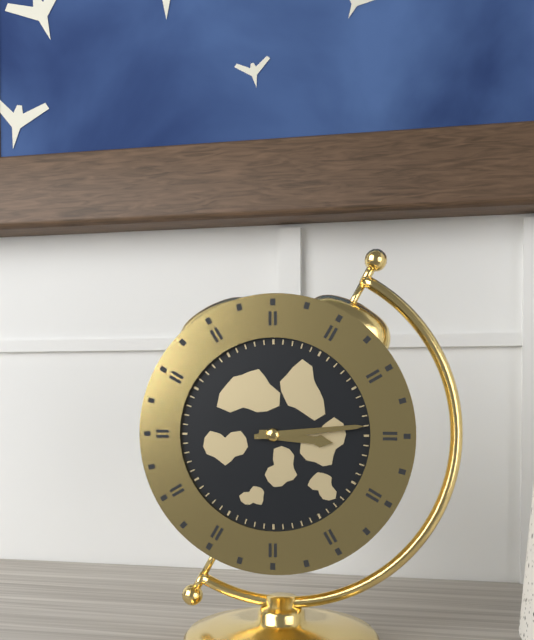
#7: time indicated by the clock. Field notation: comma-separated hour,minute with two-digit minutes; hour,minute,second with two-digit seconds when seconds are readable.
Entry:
3,14
